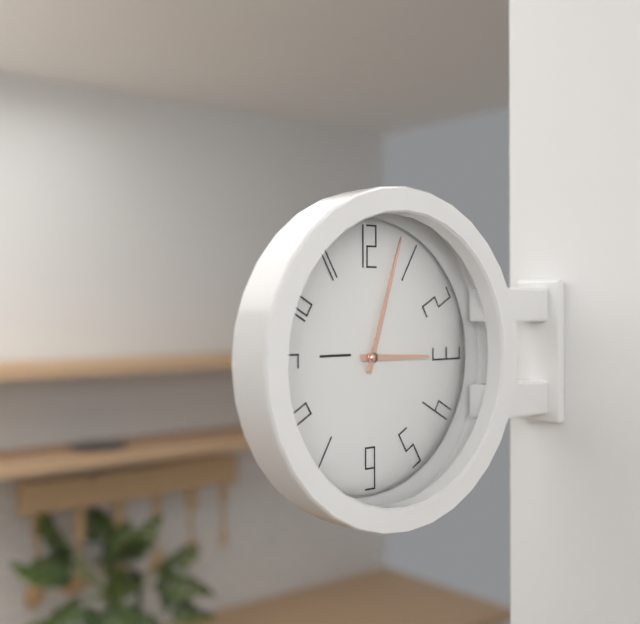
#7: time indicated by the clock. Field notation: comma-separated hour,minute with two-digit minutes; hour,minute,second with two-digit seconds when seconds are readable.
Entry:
3,03
